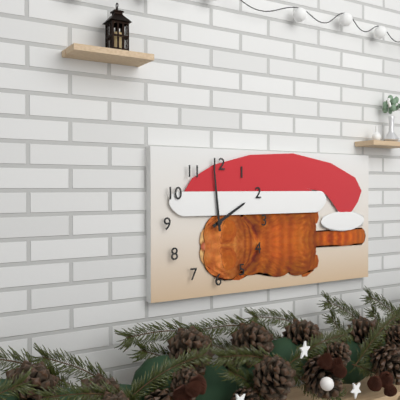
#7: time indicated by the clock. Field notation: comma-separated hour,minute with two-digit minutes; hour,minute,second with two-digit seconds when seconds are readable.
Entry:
1,59
